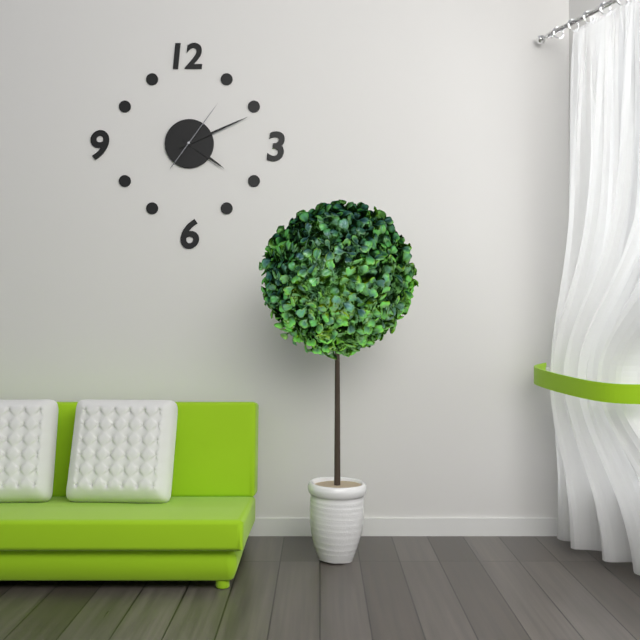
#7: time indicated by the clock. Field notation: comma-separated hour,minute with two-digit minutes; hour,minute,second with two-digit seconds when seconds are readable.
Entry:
4,11,06
